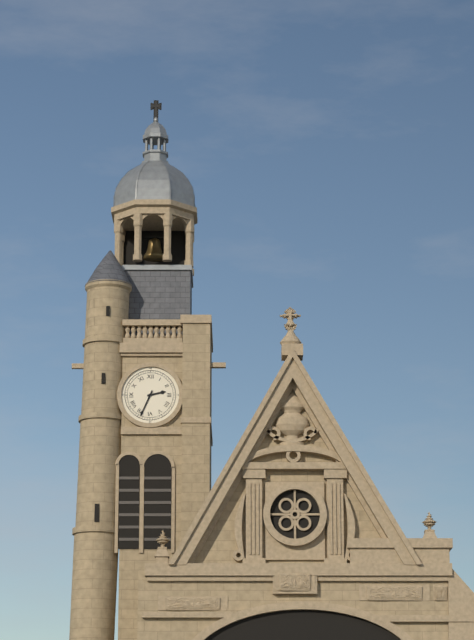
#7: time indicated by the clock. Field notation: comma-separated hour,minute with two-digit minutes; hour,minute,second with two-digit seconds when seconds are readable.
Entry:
2,34
